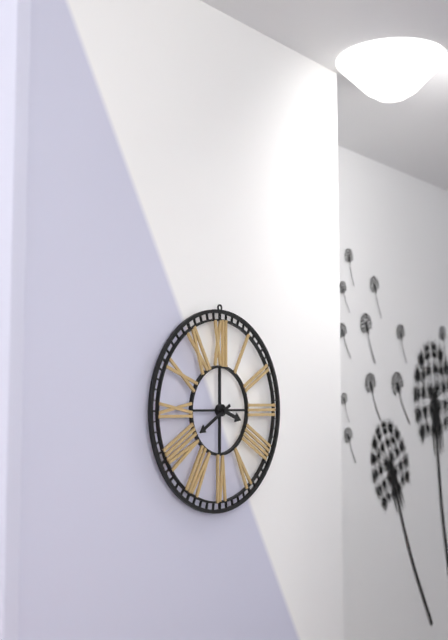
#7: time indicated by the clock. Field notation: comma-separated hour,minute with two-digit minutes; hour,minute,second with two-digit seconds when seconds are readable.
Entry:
3,40
